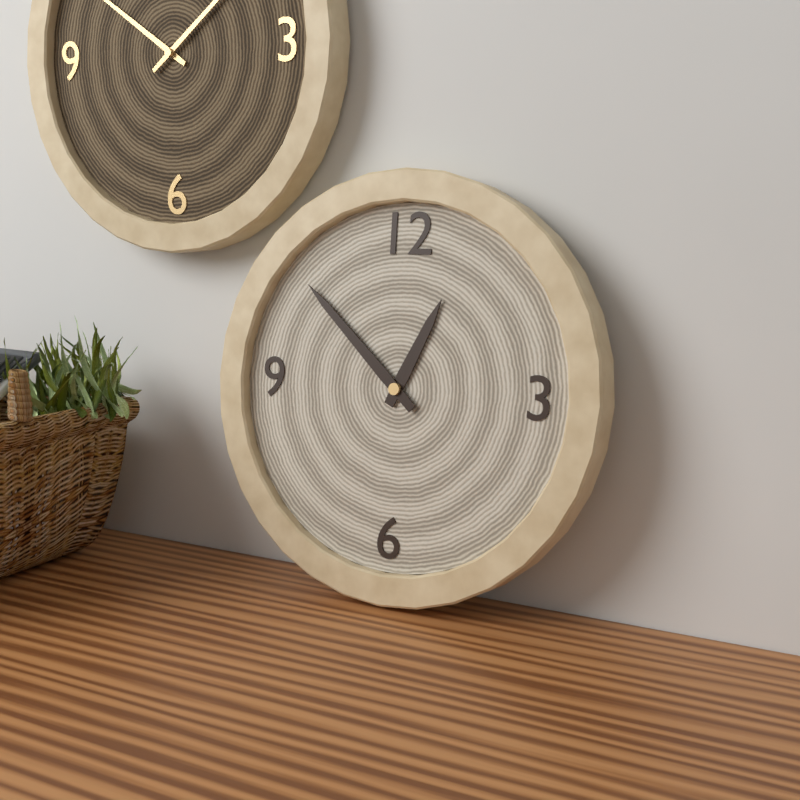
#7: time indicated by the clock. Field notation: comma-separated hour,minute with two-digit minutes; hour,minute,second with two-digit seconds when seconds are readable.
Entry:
12,52
